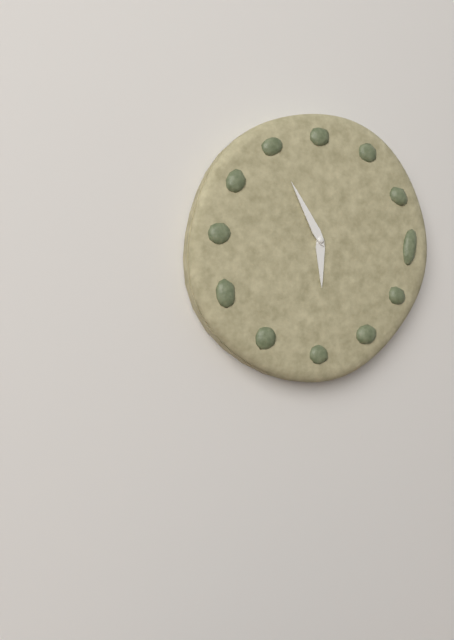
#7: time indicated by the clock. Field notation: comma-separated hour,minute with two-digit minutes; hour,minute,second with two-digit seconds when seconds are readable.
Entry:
5,55
